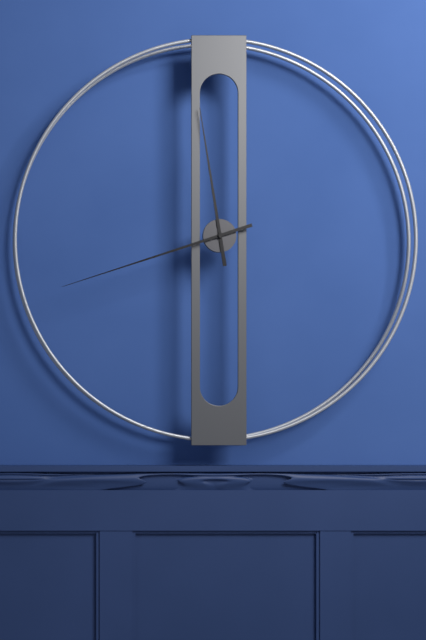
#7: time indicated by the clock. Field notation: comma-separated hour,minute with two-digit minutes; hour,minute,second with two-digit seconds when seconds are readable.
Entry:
11,42
